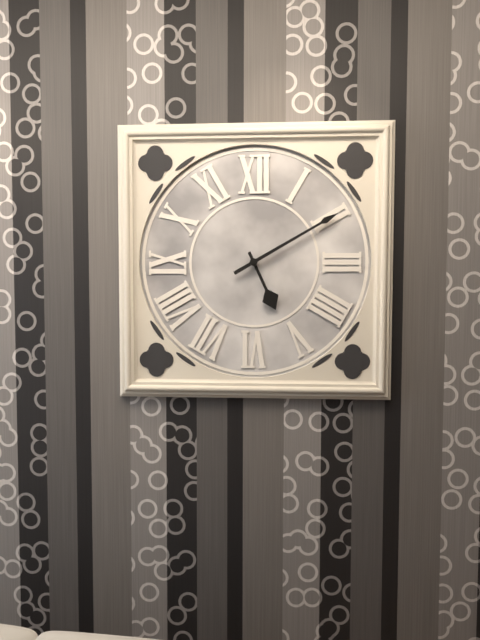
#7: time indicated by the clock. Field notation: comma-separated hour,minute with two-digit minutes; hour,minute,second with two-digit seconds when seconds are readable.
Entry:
5,10
